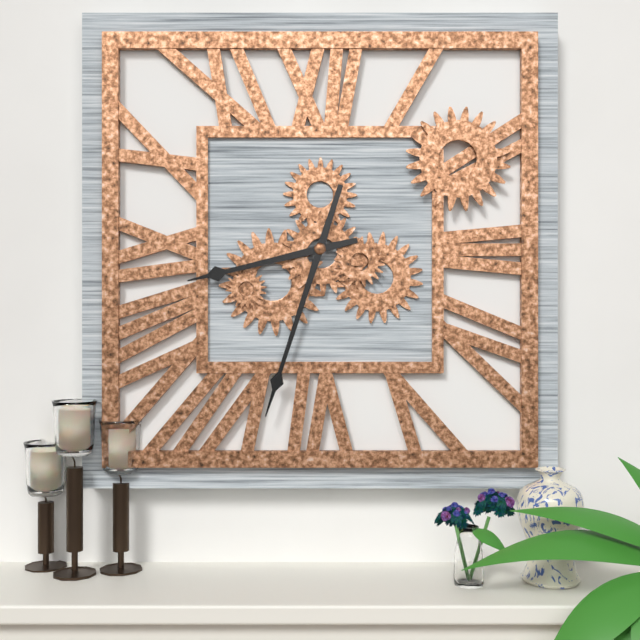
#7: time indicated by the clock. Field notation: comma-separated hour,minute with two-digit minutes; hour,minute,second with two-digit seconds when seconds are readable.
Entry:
8,33
